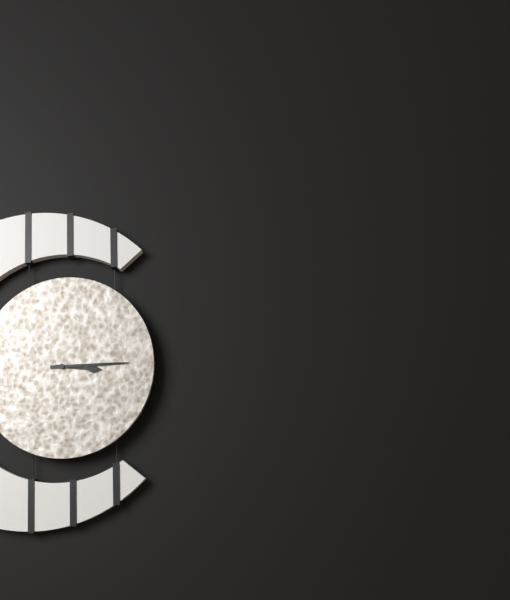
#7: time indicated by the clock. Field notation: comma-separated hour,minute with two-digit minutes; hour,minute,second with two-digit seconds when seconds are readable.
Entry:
3,15
